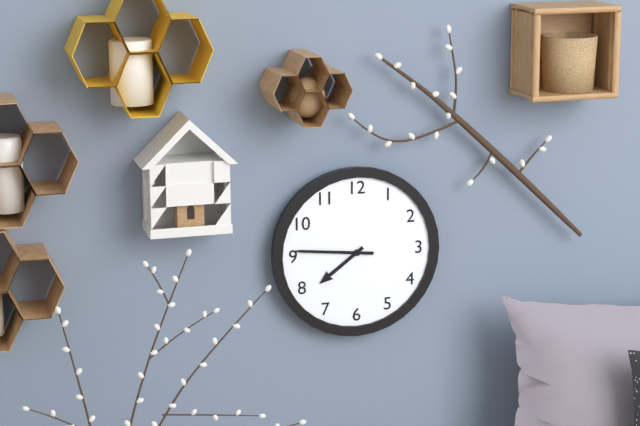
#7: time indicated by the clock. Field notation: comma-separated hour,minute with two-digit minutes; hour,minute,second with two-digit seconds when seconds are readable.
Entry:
7,46
